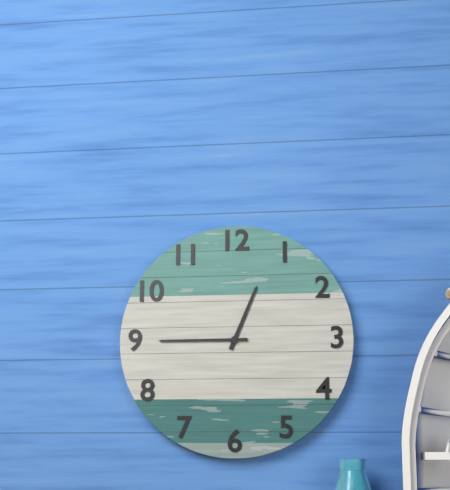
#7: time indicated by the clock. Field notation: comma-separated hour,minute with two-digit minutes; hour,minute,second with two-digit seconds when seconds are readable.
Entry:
12,45
